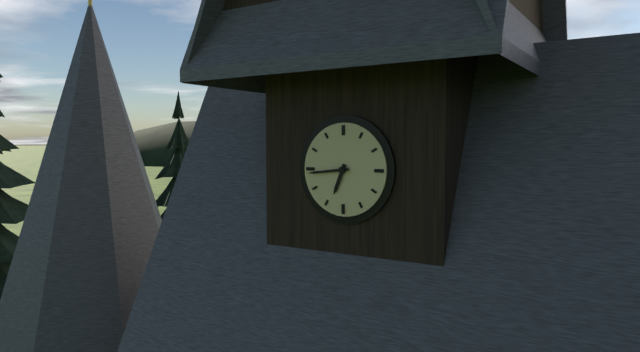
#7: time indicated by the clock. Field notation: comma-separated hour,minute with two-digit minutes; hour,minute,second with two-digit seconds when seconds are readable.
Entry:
6,44
